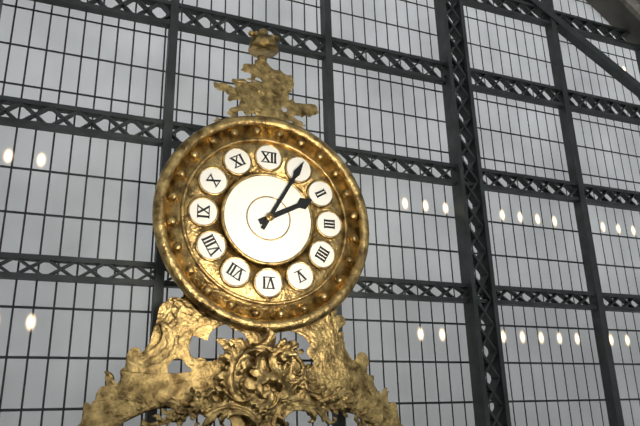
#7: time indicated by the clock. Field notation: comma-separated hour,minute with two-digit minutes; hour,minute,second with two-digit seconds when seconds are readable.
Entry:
2,05
